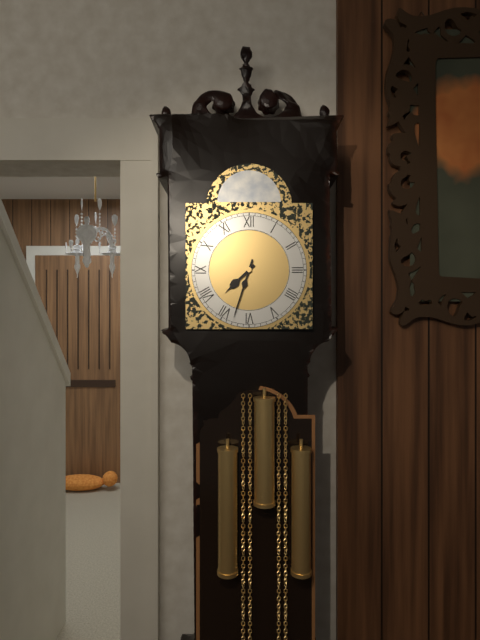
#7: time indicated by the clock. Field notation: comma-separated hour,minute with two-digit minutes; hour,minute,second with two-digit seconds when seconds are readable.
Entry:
7,33
